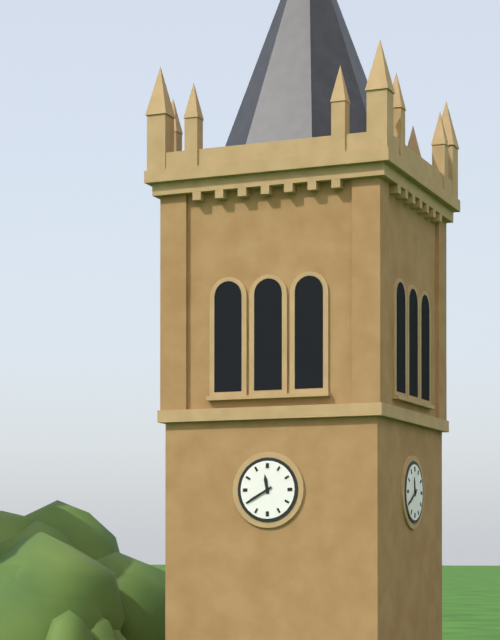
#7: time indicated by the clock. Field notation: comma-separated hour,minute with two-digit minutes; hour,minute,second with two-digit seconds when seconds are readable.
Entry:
11,40
